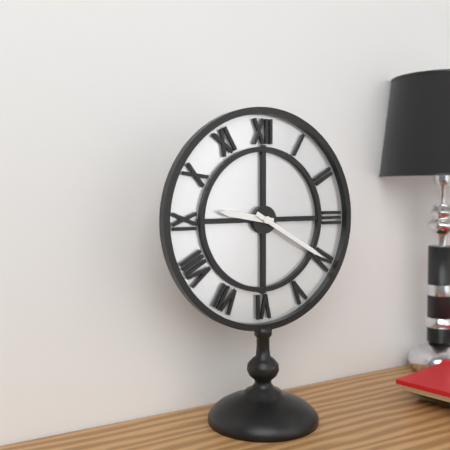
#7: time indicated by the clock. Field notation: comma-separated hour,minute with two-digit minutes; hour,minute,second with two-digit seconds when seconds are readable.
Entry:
9,20
